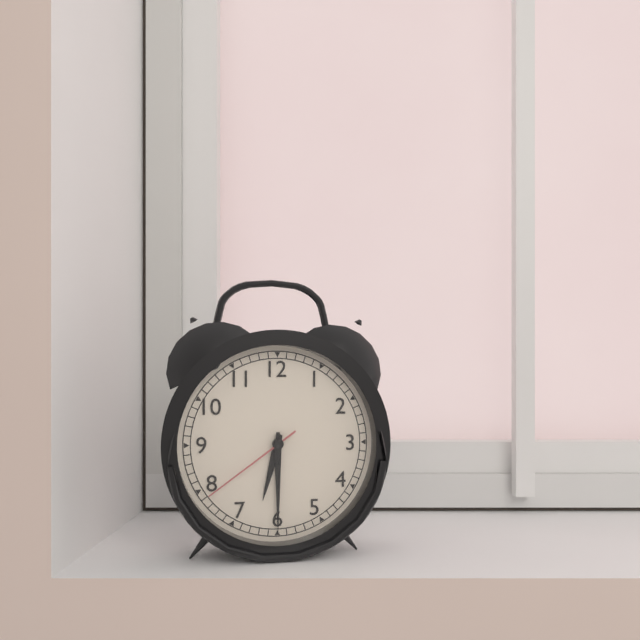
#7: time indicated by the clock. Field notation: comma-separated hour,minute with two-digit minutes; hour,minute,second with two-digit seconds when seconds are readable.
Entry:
6,30,39
